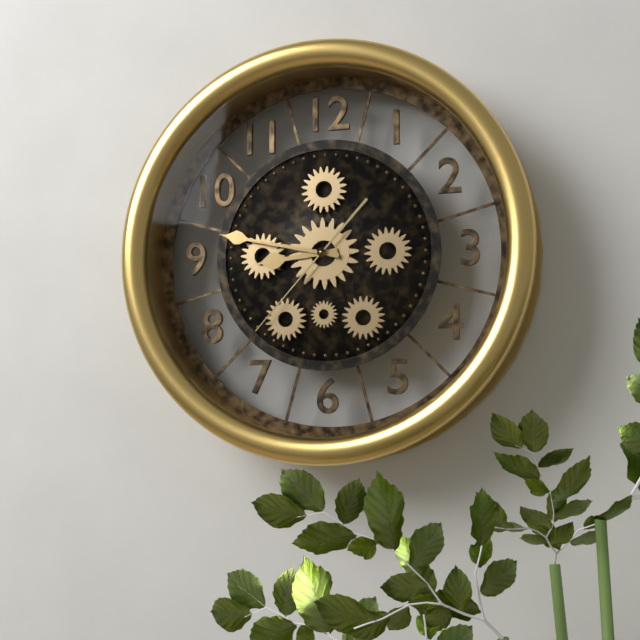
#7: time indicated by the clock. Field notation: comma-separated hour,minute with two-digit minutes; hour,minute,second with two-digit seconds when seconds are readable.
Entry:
8,47,37
